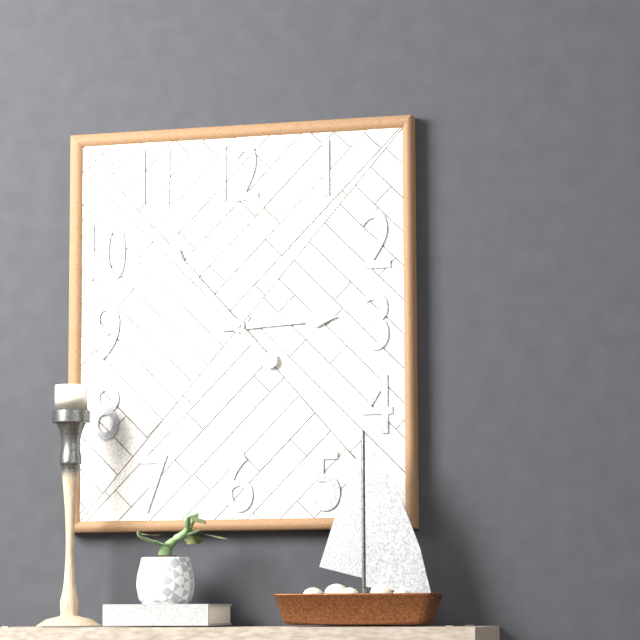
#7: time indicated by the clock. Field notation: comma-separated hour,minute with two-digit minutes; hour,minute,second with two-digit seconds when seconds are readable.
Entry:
2,53
